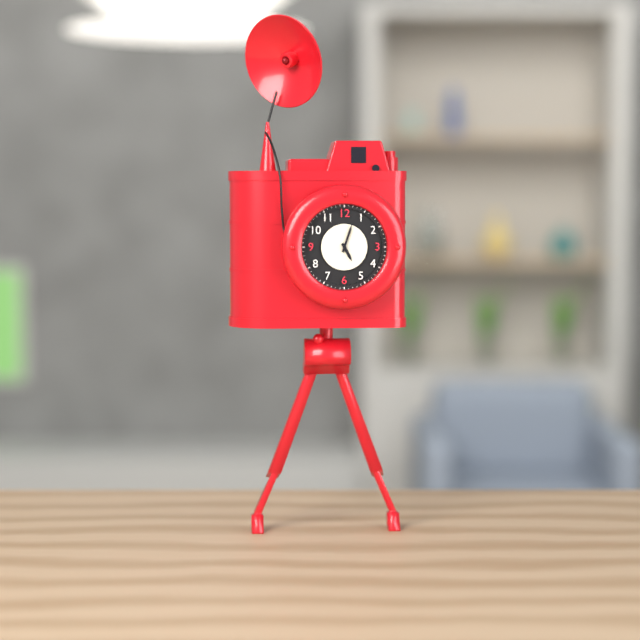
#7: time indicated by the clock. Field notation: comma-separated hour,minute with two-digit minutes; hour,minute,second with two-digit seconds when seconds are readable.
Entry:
5,03
